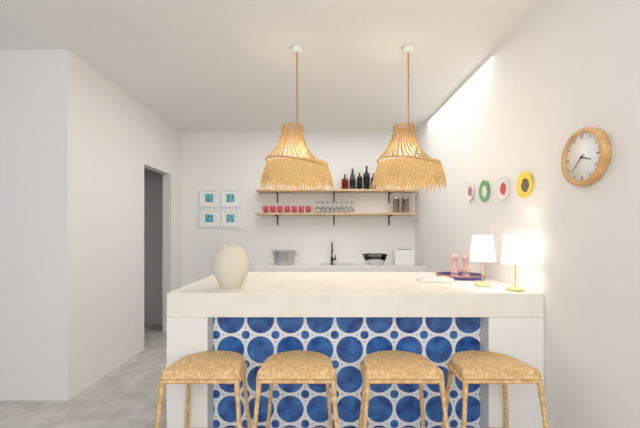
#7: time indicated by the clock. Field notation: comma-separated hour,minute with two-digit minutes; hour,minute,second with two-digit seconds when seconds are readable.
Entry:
3,38
